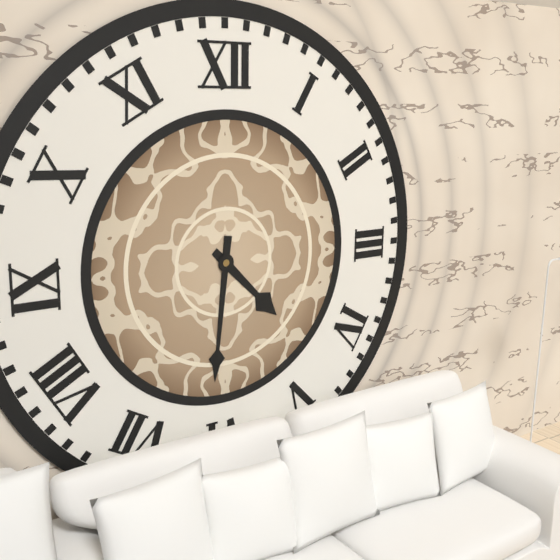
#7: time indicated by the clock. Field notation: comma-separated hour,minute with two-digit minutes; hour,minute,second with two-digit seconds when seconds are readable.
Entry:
4,31
